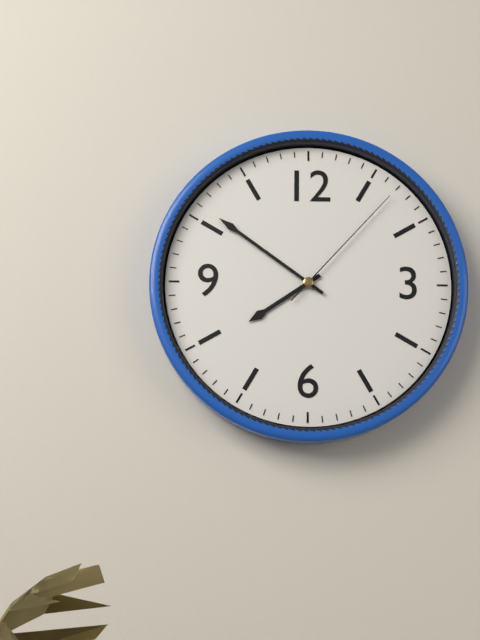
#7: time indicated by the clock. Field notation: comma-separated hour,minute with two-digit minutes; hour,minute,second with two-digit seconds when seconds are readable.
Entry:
7,51,07
